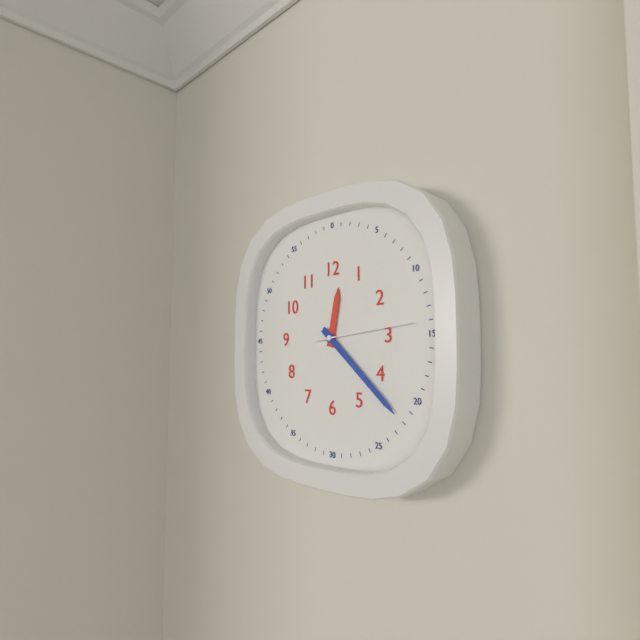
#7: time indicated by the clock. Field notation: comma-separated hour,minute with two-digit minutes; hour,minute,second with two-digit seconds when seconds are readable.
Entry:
12,22,14
